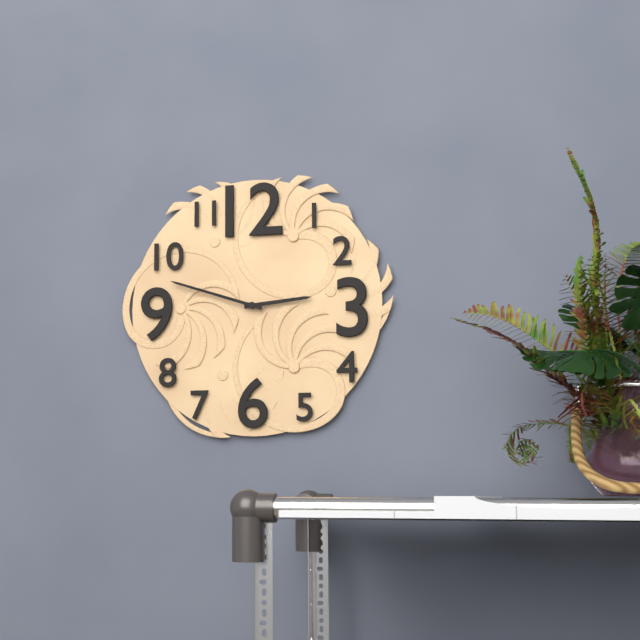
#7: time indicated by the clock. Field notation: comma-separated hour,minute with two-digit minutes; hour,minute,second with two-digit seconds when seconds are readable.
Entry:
2,48
